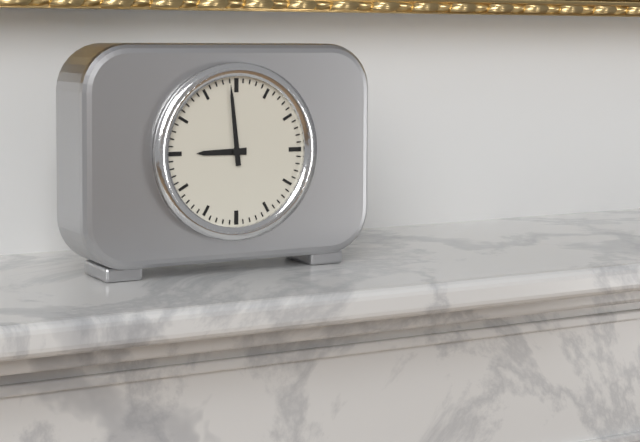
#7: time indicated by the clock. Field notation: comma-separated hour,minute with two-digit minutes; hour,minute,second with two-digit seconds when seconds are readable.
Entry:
8,59
